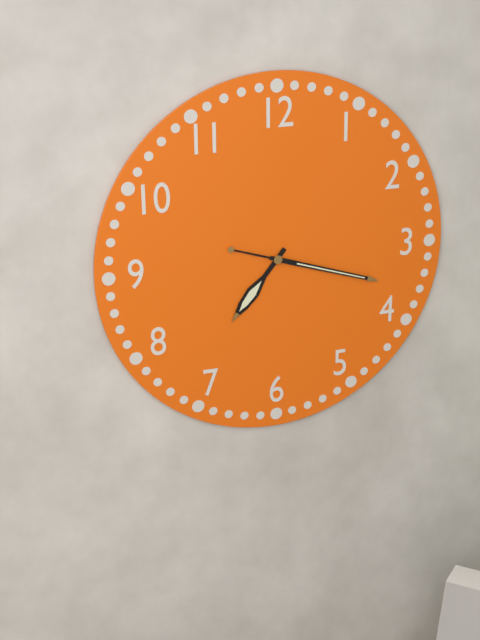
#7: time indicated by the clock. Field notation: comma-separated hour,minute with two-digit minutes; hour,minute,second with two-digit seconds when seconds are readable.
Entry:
7,18
